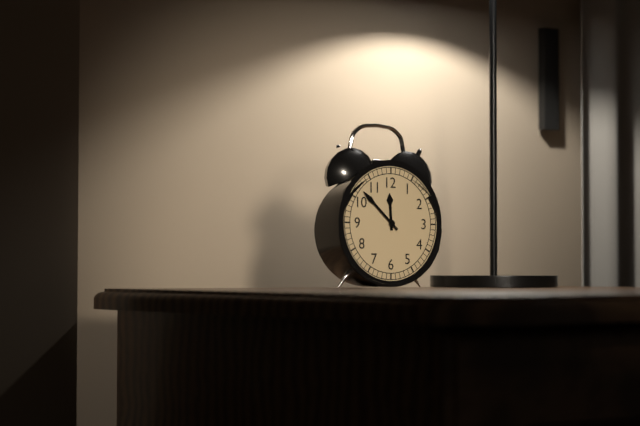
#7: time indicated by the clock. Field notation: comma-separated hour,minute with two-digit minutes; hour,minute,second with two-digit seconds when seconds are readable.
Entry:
11,52
